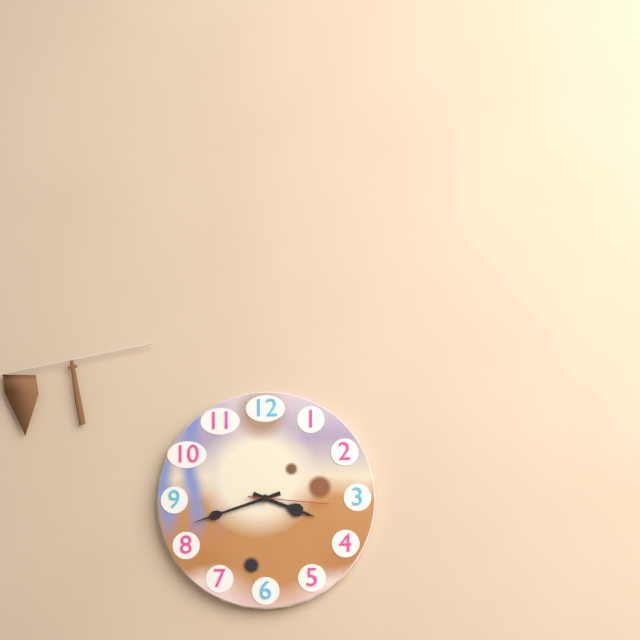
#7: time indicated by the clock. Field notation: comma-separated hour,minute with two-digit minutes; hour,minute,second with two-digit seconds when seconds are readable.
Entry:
3,42,16
